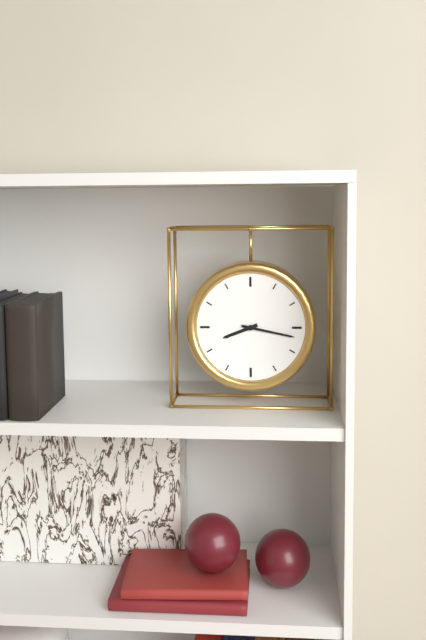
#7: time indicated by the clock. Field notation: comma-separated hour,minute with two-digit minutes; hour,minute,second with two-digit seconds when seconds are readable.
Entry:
8,17
